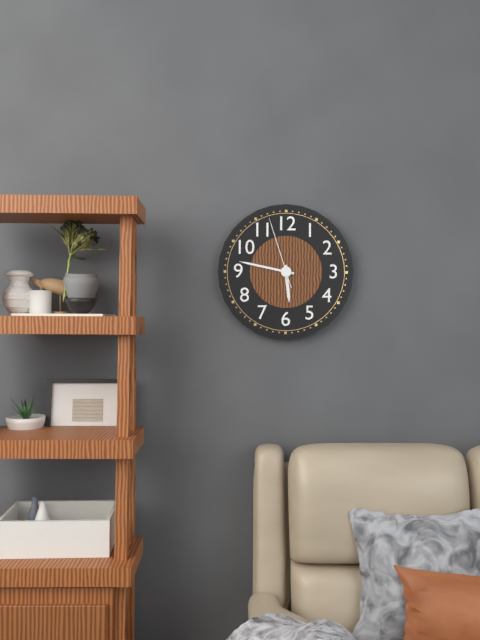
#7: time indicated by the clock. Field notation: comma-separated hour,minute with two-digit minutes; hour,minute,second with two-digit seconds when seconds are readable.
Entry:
5,47,57
